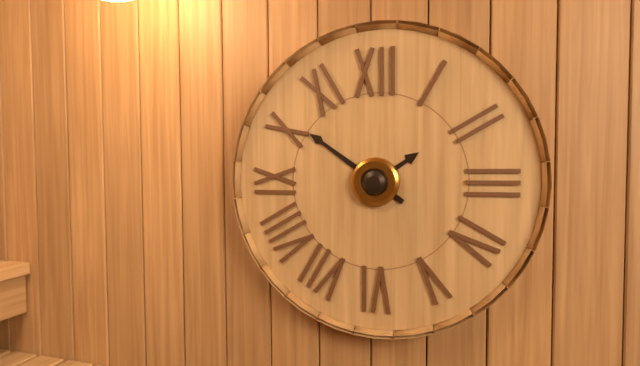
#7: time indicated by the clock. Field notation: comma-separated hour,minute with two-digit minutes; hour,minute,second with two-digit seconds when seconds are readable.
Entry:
1,51
